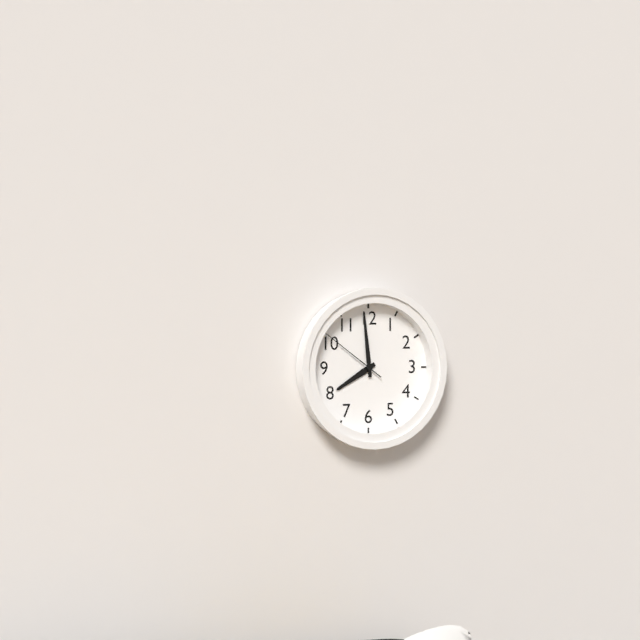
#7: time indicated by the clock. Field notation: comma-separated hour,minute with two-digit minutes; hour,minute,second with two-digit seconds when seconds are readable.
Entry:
7,59,51
